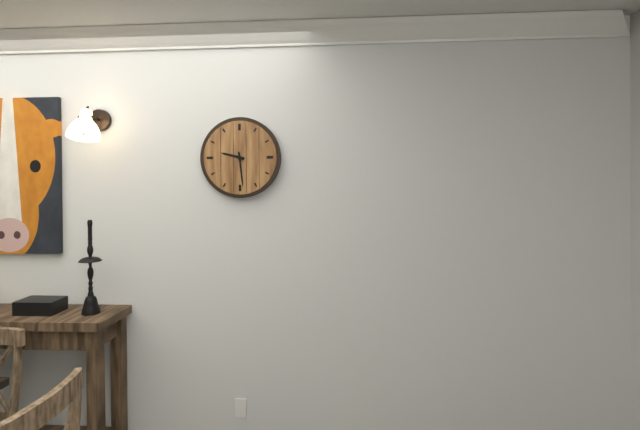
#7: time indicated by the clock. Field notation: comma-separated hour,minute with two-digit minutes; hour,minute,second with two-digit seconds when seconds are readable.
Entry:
9,29
